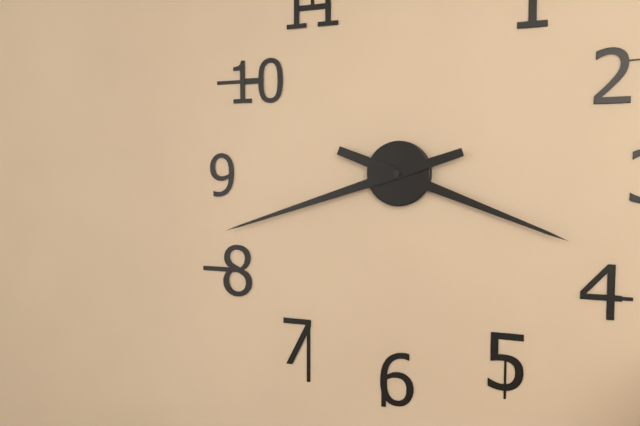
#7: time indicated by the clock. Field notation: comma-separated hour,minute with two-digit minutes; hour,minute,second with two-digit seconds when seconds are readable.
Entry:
3,42
